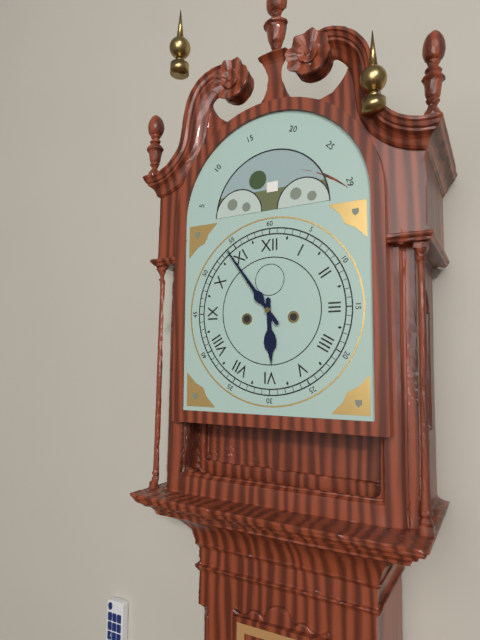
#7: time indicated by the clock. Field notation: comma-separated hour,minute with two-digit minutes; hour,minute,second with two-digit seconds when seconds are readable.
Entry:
5,54
